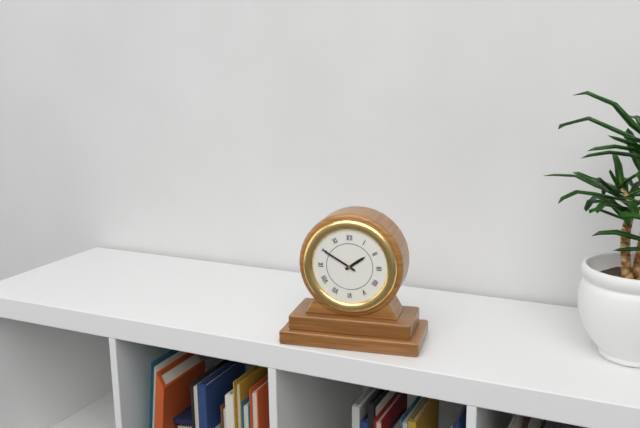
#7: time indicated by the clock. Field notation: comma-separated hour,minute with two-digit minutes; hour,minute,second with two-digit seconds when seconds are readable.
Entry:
1,50
